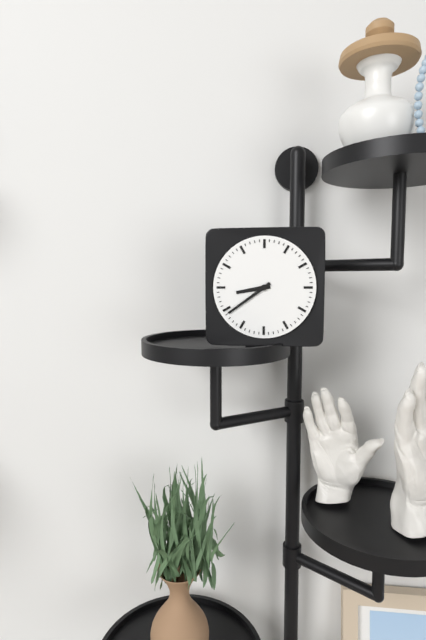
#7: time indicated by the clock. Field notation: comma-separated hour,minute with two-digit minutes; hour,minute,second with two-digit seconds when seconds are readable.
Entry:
8,39
